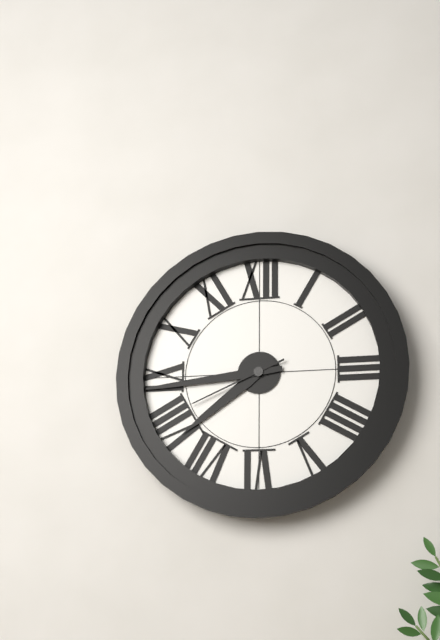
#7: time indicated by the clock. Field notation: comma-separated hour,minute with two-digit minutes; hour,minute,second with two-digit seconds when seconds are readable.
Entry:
7,44,41
